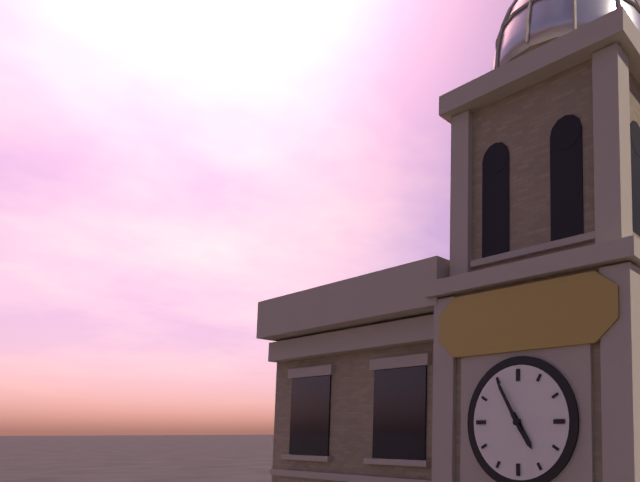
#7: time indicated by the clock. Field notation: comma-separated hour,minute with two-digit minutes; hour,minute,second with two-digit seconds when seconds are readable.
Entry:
4,55
